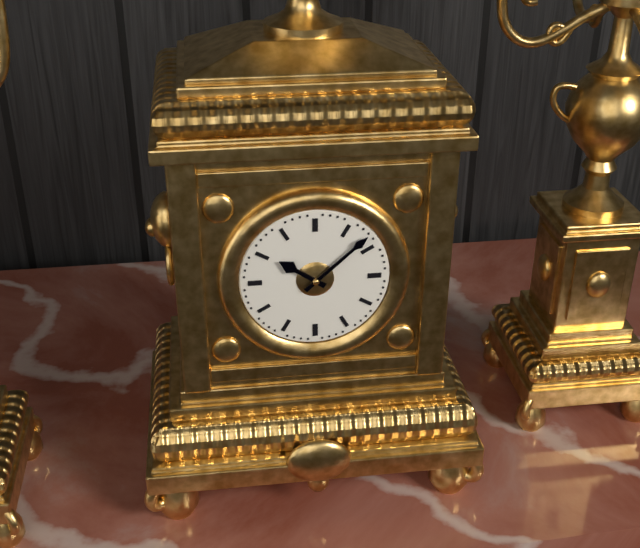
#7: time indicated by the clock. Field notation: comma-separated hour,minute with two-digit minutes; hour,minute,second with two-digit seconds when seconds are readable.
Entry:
10,08
